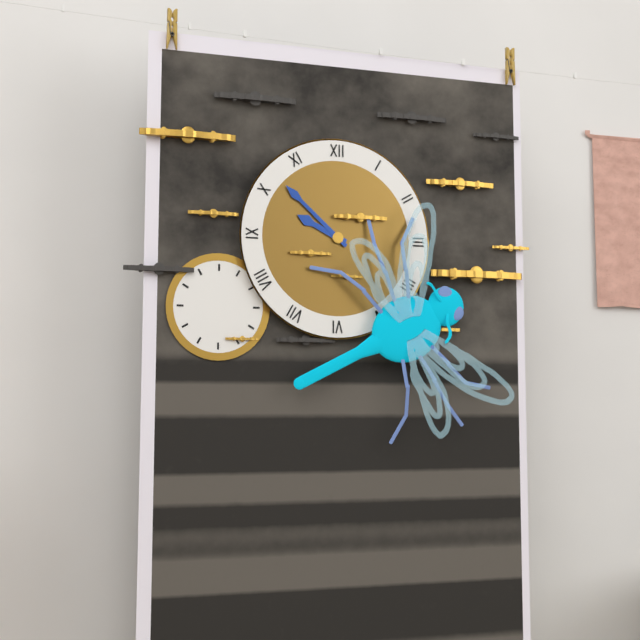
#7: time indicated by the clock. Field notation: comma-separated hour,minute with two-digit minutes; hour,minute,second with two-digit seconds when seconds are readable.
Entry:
9,52
